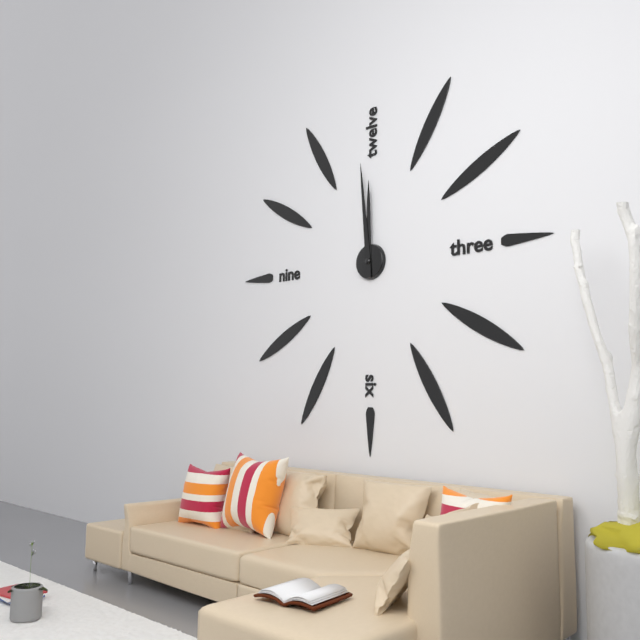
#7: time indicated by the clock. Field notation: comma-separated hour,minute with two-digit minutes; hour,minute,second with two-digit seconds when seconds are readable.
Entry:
11,59
